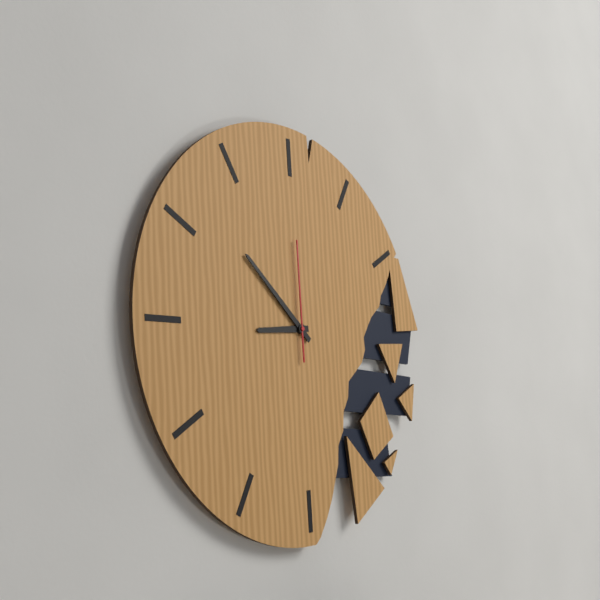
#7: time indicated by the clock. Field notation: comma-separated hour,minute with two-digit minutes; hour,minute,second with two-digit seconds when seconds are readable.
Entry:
8,52,00
